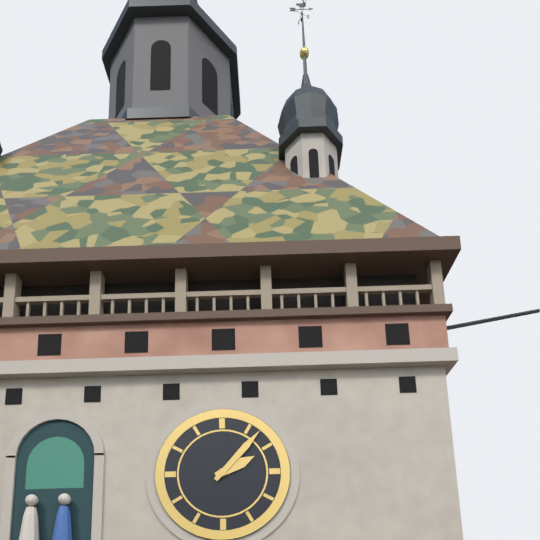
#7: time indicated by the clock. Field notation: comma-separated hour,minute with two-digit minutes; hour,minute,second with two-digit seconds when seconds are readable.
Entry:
2,07
